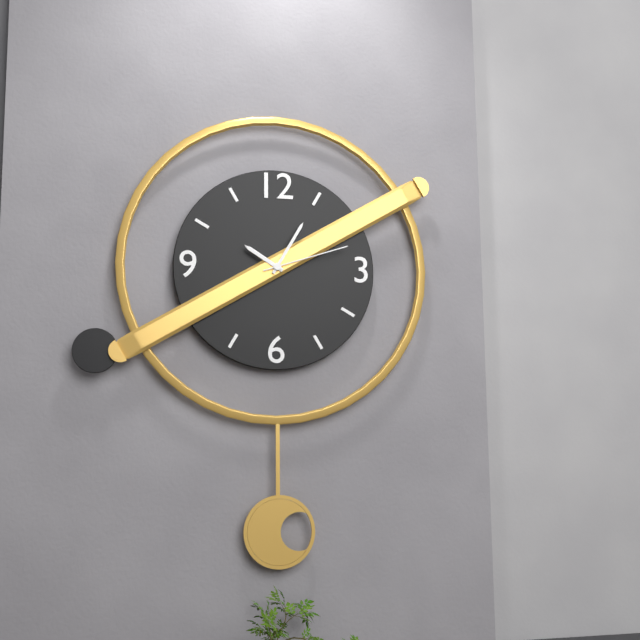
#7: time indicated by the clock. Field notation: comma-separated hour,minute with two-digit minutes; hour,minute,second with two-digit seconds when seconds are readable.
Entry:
10,05,12
